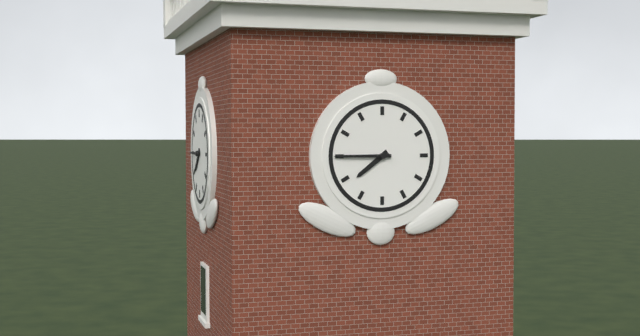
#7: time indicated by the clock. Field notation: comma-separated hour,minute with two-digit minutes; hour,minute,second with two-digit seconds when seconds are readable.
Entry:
7,45
